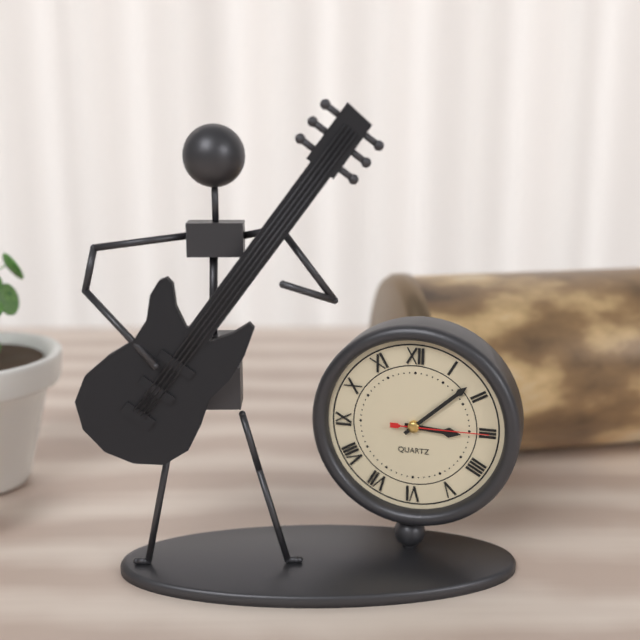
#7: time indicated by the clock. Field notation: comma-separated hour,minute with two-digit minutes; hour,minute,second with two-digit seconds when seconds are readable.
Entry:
3,08,15
